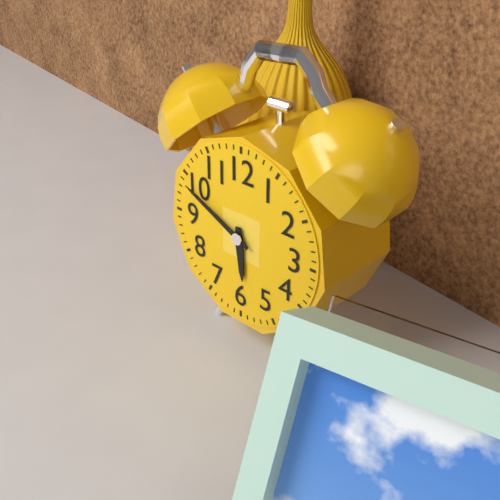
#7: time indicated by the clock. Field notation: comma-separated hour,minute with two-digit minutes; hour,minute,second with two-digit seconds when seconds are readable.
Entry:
5,49
